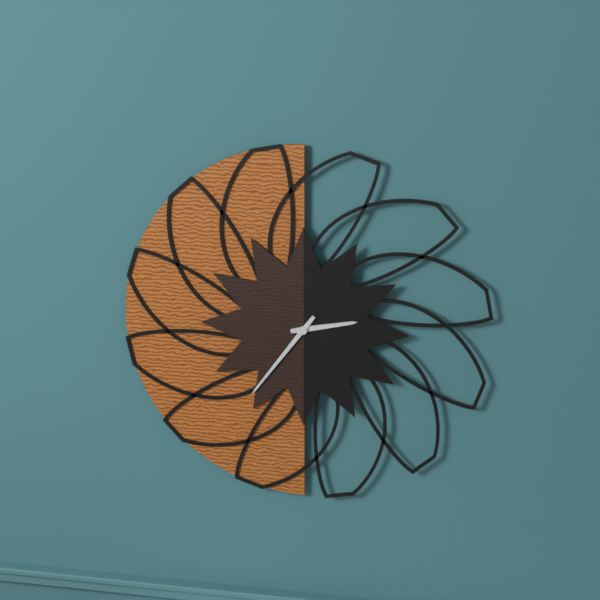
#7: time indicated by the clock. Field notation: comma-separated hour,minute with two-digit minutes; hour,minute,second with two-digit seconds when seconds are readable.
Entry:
2,36
